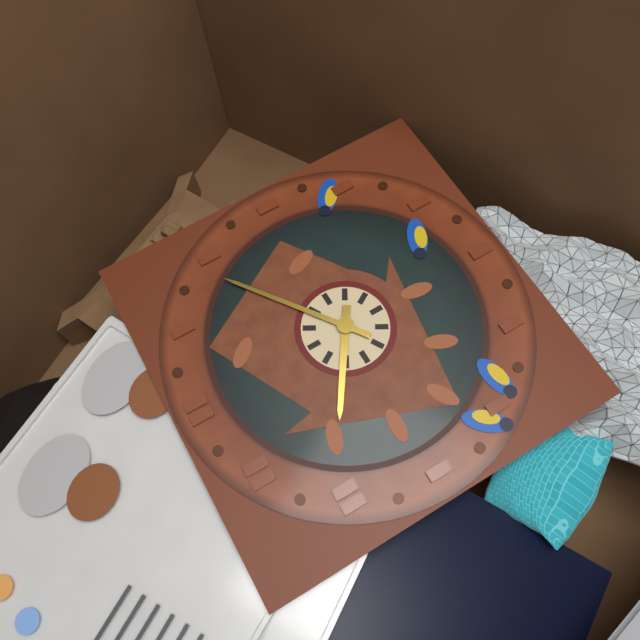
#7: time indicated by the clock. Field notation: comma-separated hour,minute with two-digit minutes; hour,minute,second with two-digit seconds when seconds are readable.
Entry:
10,09
